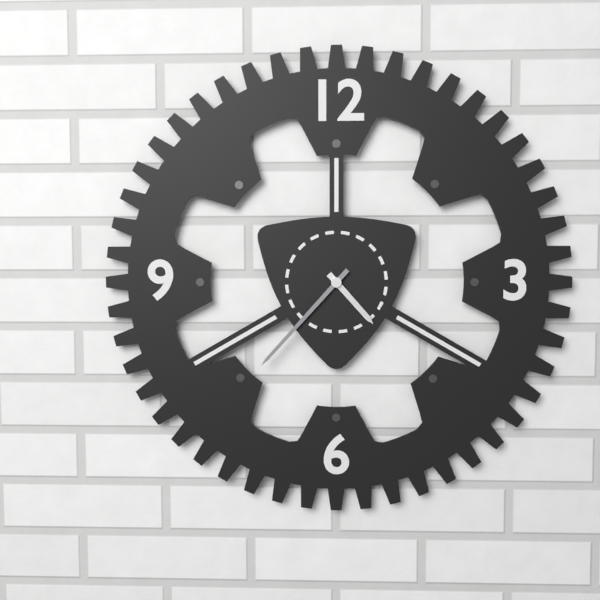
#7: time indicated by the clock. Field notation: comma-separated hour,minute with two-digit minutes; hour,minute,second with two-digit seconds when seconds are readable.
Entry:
4,37
